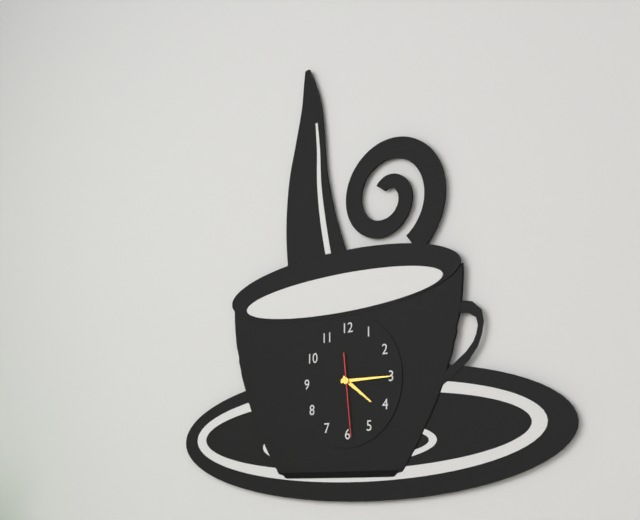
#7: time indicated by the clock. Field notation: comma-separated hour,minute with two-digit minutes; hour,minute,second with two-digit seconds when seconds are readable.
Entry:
4,15,29
